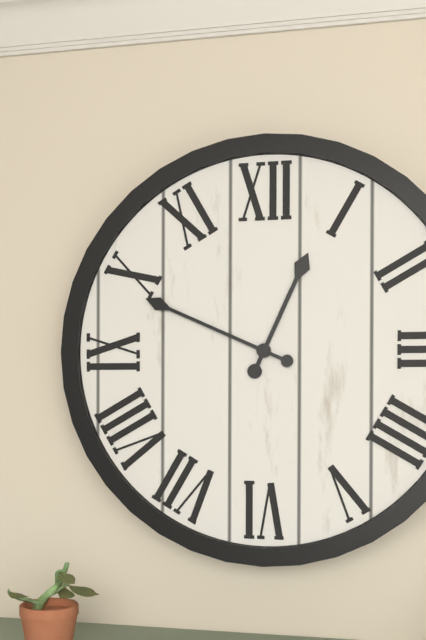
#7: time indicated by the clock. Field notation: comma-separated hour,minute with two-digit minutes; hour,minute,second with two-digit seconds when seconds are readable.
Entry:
12,49
